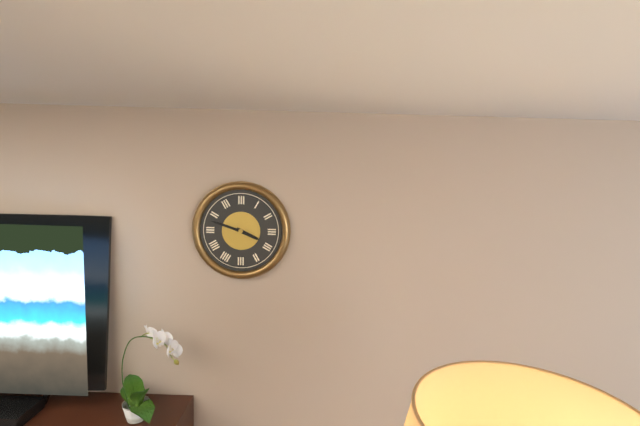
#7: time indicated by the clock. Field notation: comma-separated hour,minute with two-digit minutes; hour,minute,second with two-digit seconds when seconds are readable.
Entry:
3,48
